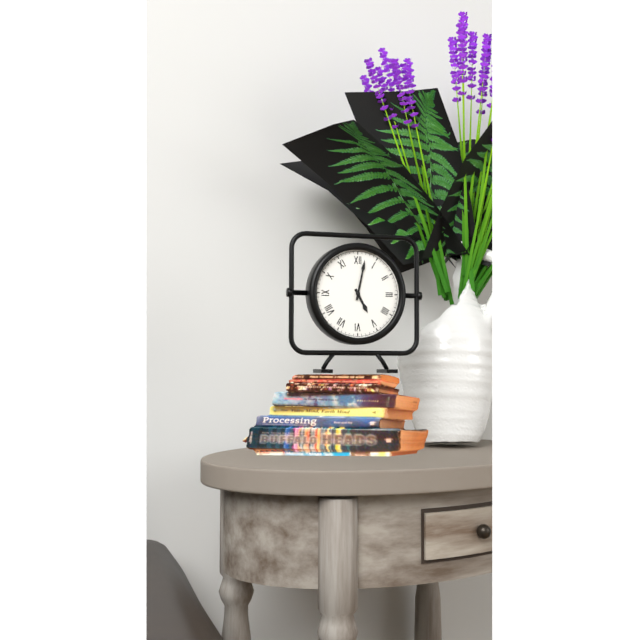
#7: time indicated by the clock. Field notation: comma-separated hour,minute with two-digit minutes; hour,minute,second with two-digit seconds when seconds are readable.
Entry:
5,02
